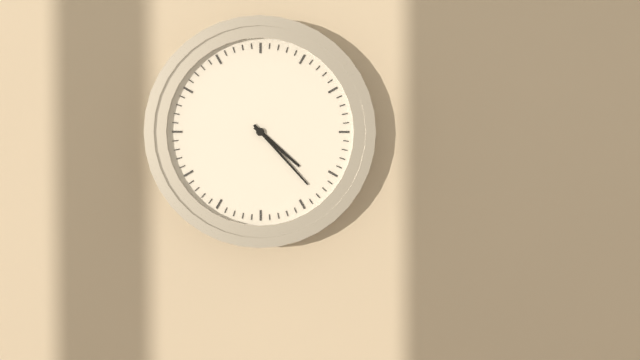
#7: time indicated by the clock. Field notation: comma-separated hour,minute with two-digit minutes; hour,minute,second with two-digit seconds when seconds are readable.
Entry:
4,23
